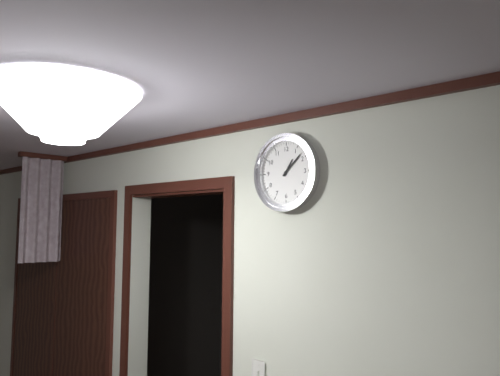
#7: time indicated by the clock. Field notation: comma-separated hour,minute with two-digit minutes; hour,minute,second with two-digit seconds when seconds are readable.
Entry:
1,08
